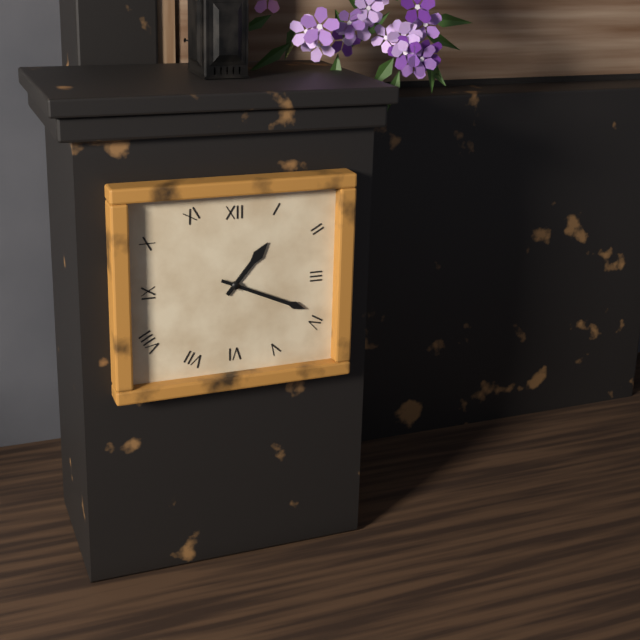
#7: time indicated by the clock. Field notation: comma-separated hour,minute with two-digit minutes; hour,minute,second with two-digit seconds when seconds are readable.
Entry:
1,19
